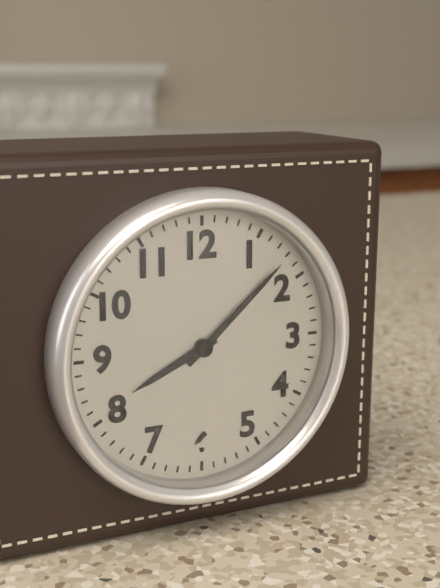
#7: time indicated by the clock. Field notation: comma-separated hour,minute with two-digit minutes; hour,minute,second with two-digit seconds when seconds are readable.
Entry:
8,08
